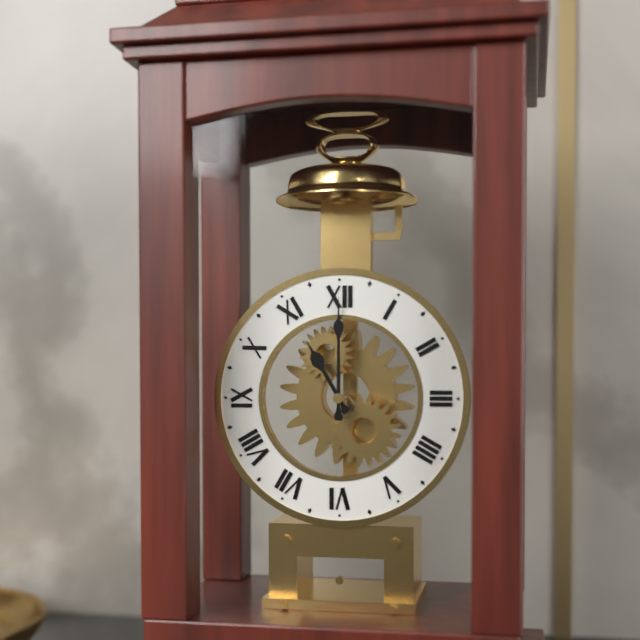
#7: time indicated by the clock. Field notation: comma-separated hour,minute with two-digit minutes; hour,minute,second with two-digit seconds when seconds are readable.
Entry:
11,00
